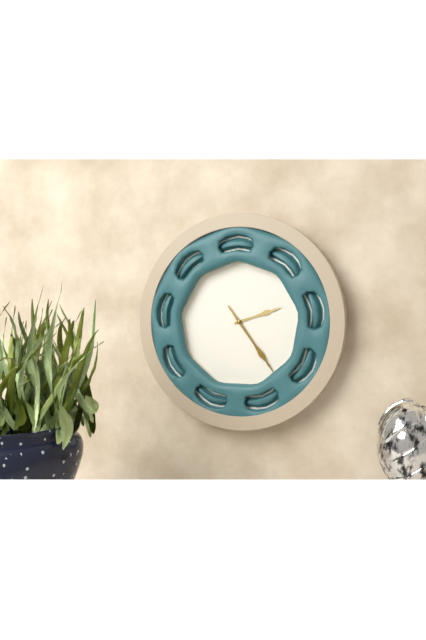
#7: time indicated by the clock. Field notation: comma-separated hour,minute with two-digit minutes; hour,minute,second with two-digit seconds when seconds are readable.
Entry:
2,24
